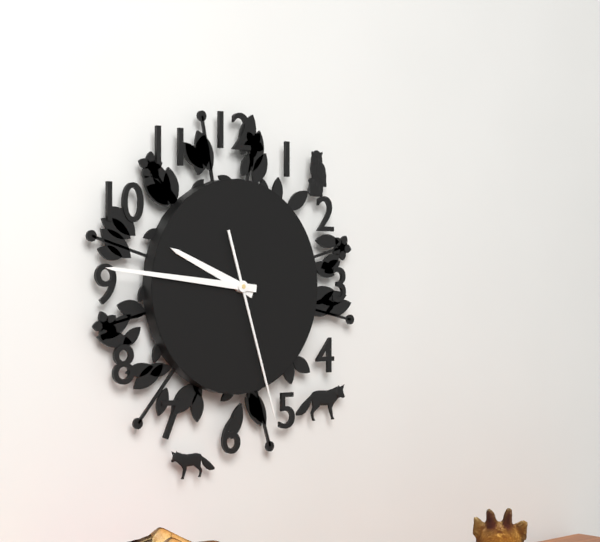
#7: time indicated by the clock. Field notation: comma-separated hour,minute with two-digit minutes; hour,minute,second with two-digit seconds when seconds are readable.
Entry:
9,46,27
